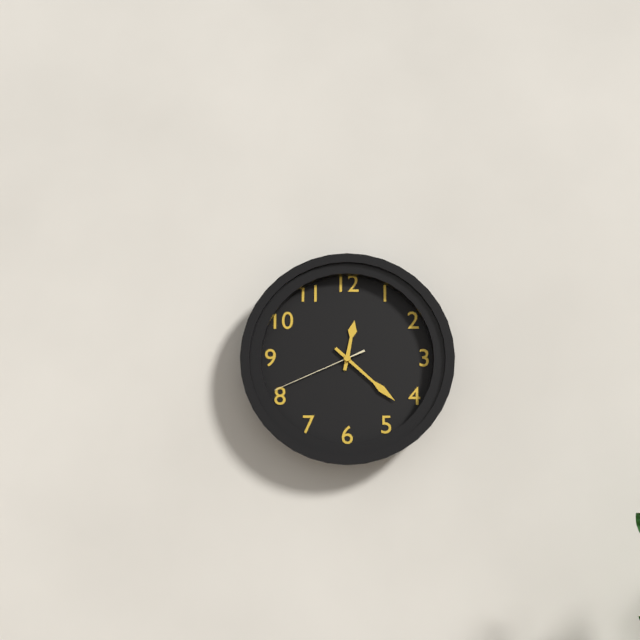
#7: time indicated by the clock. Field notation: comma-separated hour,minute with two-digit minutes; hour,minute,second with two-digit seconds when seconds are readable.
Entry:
12,22,41
